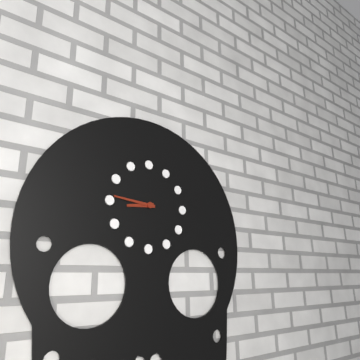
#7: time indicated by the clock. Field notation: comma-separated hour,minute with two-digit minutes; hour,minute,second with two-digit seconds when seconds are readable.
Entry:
8,46
